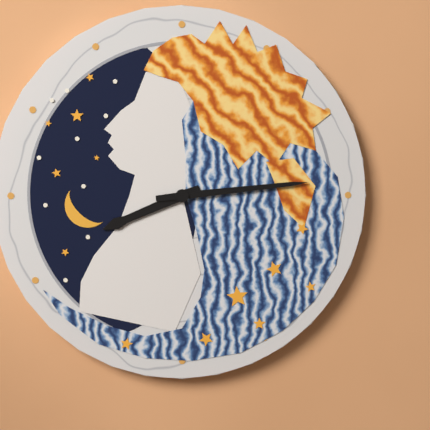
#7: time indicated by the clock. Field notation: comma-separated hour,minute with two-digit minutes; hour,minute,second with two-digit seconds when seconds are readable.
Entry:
8,14
